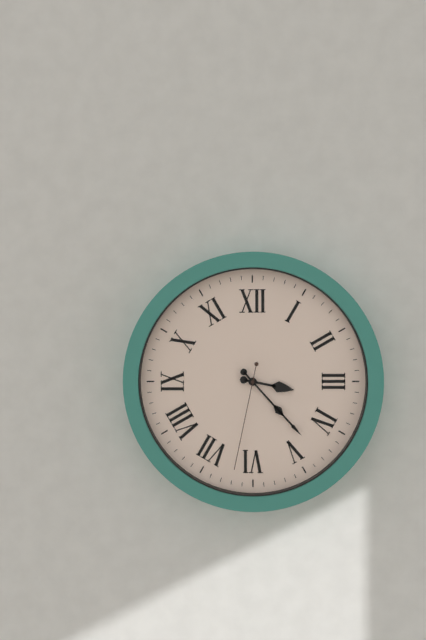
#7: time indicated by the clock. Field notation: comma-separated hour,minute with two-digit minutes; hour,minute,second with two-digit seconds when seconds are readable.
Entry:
3,23,32
